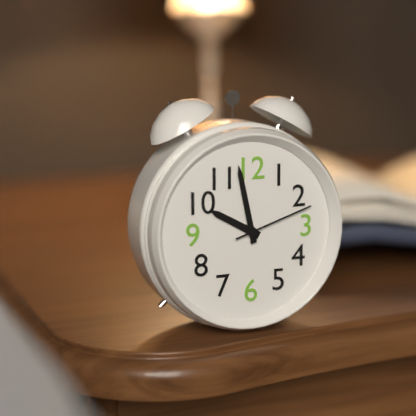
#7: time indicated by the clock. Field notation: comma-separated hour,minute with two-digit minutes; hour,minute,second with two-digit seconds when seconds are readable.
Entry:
9,58,12
